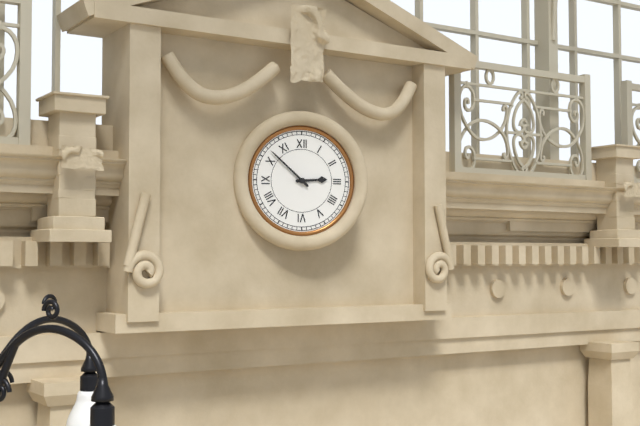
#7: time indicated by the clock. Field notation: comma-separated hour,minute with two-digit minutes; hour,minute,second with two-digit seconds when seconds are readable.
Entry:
2,52
